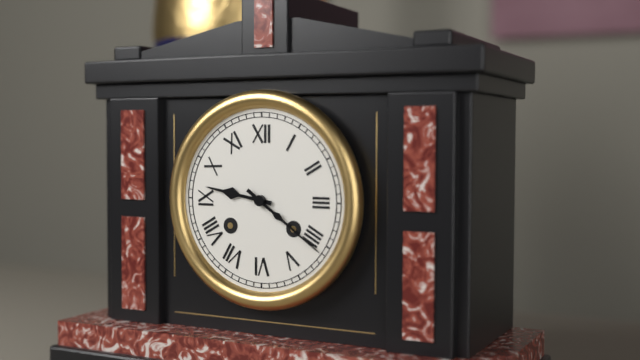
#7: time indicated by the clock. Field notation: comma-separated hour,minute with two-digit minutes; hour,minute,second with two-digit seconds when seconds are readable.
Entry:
9,21
